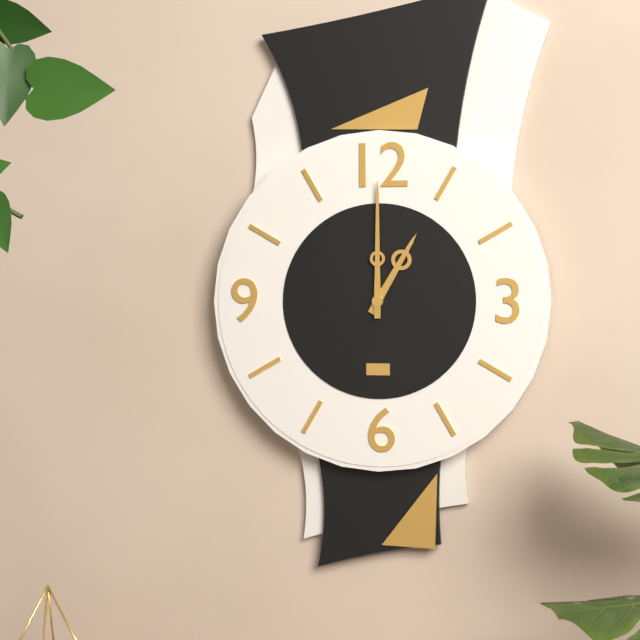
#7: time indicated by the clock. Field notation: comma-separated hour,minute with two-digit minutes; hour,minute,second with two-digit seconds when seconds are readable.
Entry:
1,00
